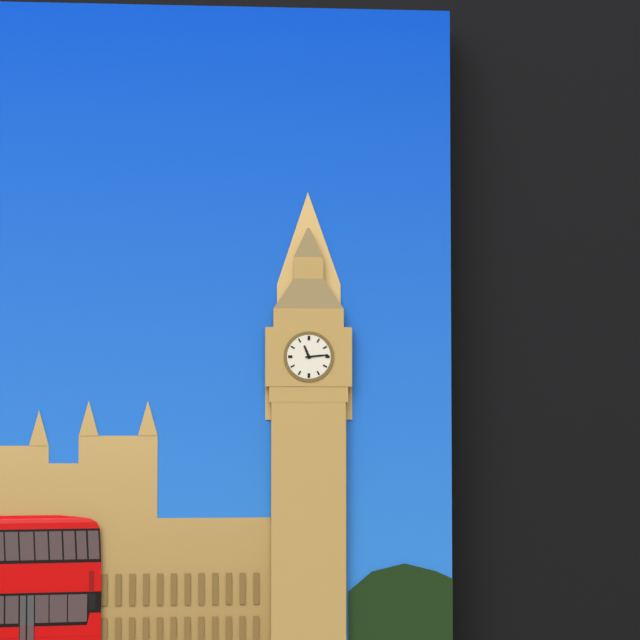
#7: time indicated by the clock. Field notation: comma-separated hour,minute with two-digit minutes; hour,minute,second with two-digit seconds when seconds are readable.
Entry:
11,14
